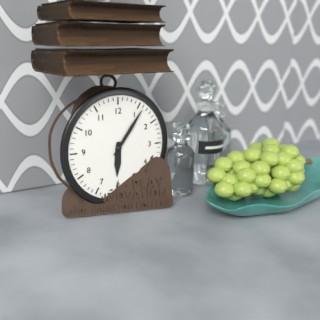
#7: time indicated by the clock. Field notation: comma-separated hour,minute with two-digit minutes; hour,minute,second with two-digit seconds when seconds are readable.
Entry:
6,06
